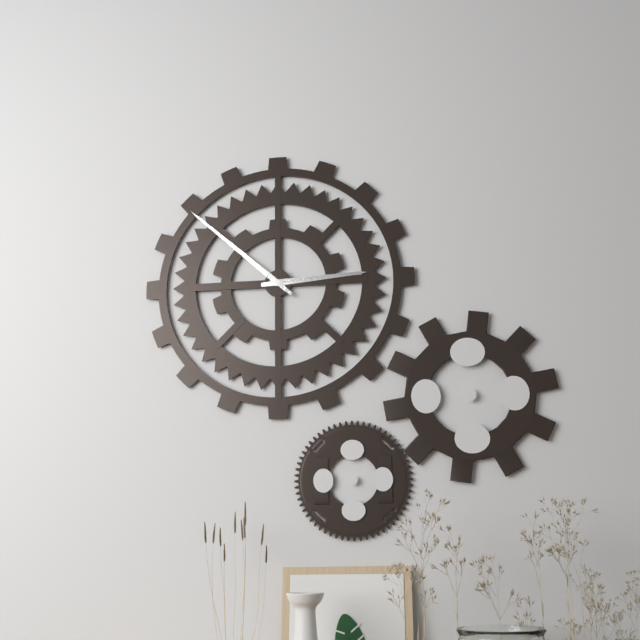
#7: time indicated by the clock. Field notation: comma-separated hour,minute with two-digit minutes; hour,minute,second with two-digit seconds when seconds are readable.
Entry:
2,52
